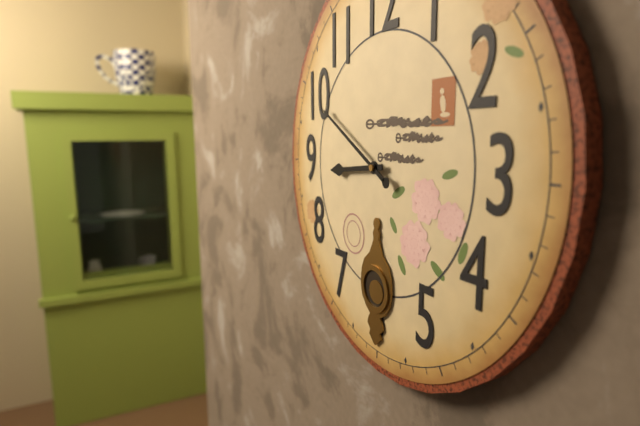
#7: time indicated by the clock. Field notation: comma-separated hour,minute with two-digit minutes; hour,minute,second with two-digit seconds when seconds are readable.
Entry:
8,50
